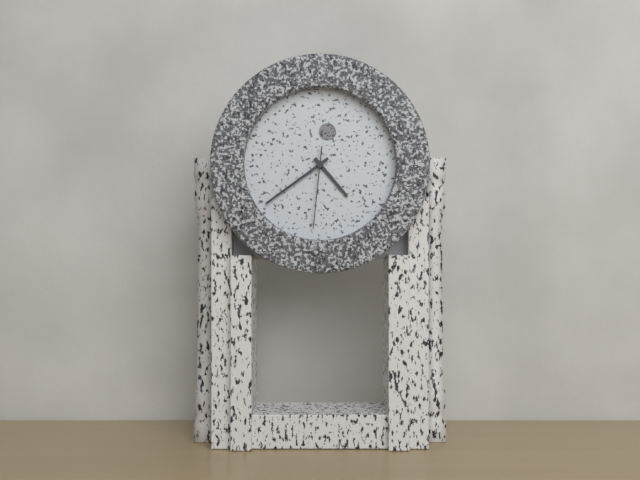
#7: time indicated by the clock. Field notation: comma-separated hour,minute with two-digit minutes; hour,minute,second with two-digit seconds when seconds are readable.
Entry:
4,39,31
